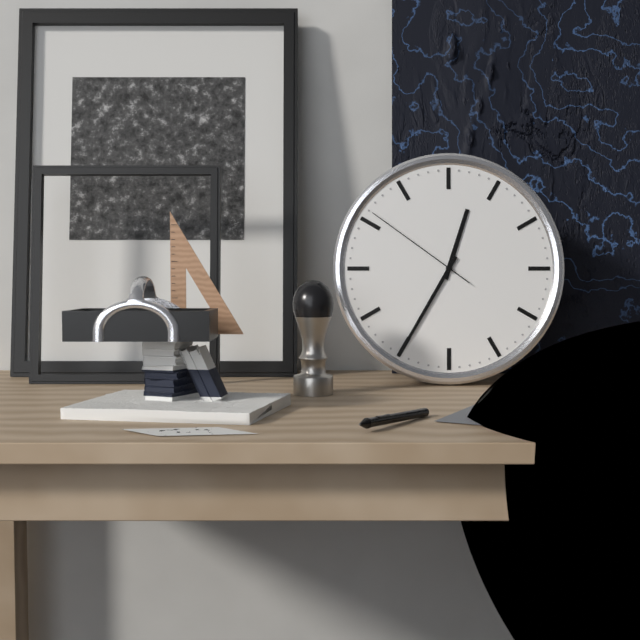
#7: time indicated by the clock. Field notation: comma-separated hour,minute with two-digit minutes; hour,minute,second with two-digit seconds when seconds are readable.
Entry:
12,35,51
